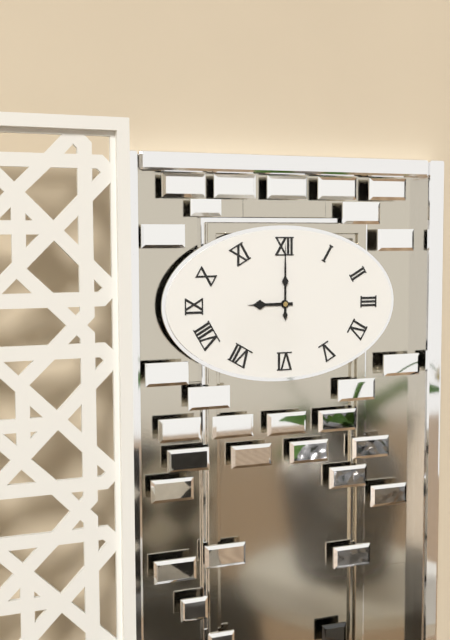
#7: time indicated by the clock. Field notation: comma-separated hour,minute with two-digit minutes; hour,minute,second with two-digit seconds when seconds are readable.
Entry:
9,00
